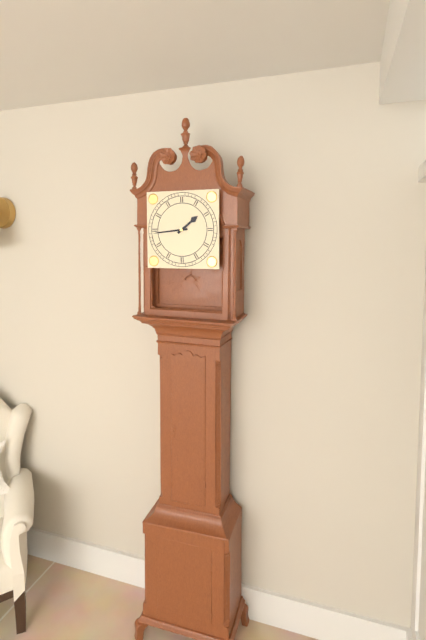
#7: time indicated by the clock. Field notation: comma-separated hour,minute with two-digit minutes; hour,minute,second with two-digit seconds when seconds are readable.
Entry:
1,44
